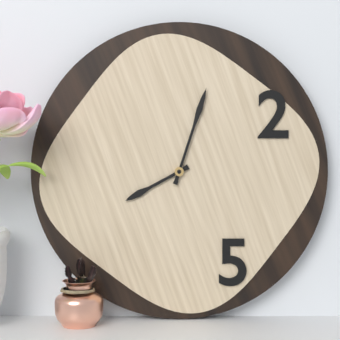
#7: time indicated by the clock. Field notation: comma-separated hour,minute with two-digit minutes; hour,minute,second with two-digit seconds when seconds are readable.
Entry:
8,03
